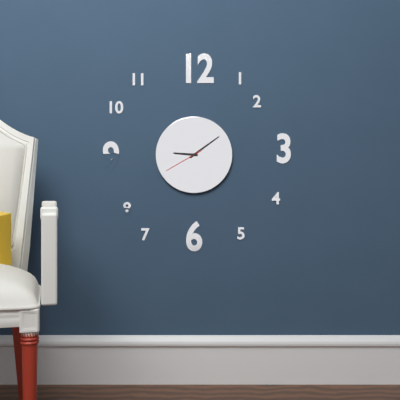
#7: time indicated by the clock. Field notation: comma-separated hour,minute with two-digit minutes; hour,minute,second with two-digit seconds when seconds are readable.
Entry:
9,09
